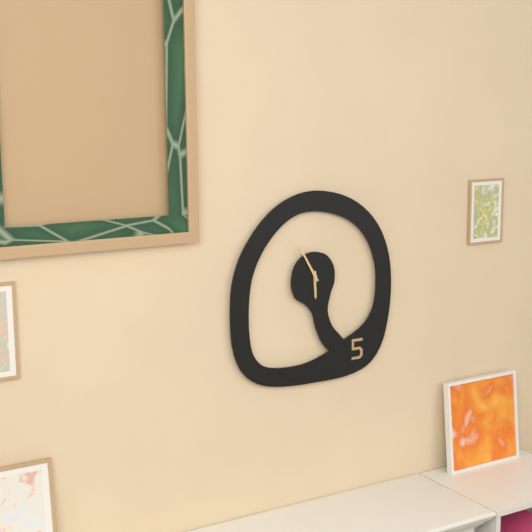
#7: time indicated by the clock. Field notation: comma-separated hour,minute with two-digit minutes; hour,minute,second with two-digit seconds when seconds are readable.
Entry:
5,55
